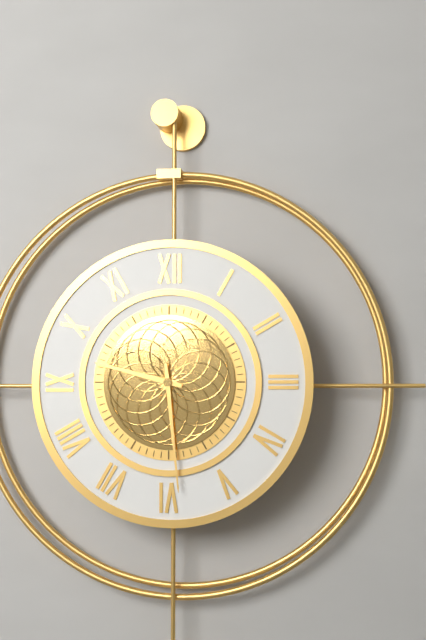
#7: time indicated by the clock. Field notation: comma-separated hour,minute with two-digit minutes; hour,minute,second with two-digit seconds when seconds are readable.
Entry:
9,29
